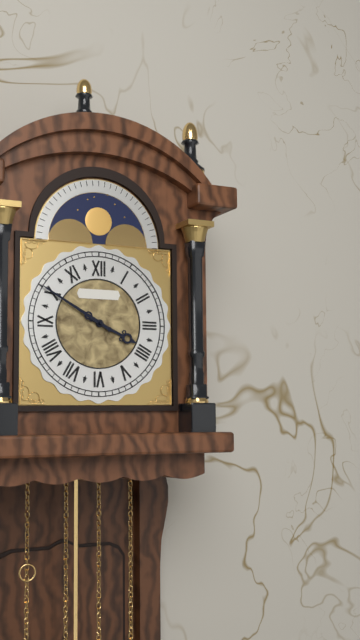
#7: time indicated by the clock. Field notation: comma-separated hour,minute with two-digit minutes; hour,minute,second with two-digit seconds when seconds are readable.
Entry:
3,50
